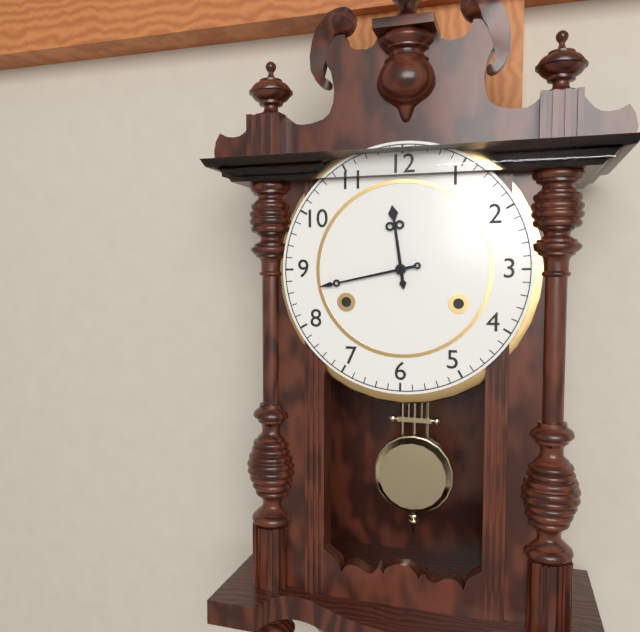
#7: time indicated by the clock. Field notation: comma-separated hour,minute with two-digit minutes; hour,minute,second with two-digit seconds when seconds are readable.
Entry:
11,43
